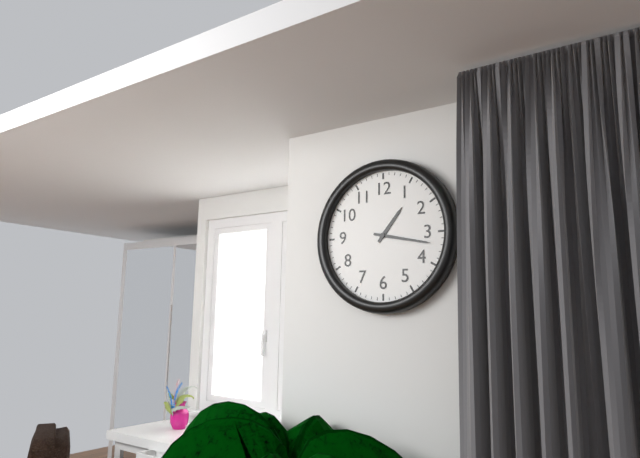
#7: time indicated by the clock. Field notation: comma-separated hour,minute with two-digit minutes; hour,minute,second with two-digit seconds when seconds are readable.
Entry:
1,17
